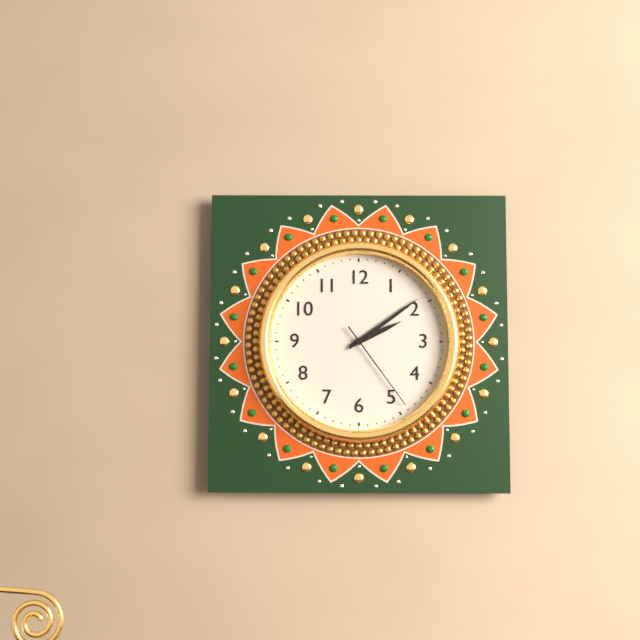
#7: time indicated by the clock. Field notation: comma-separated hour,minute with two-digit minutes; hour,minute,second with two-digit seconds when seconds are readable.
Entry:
2,09,24
